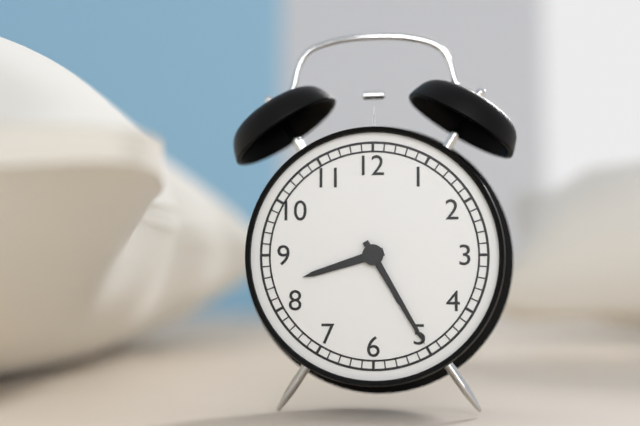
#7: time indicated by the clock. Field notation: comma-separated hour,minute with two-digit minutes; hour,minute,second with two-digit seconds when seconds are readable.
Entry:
8,25
